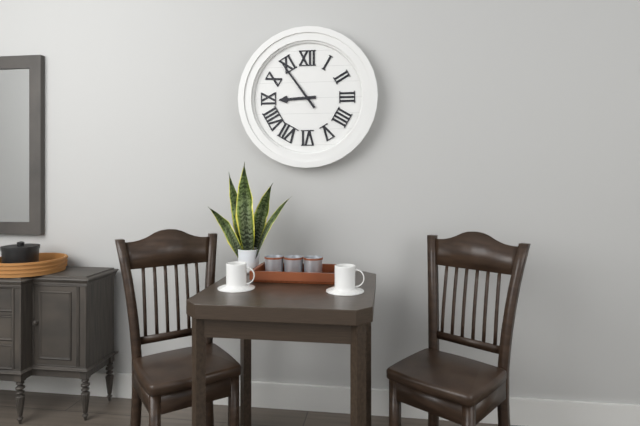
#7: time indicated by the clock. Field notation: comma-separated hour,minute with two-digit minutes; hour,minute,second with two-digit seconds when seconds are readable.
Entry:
8,54
